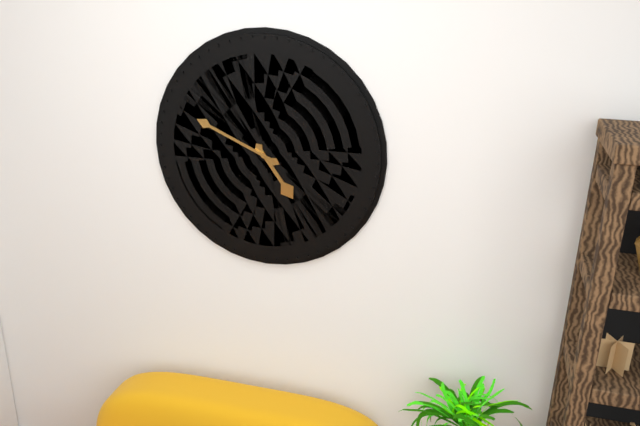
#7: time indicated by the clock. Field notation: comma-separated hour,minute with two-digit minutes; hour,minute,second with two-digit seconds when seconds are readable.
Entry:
4,49
